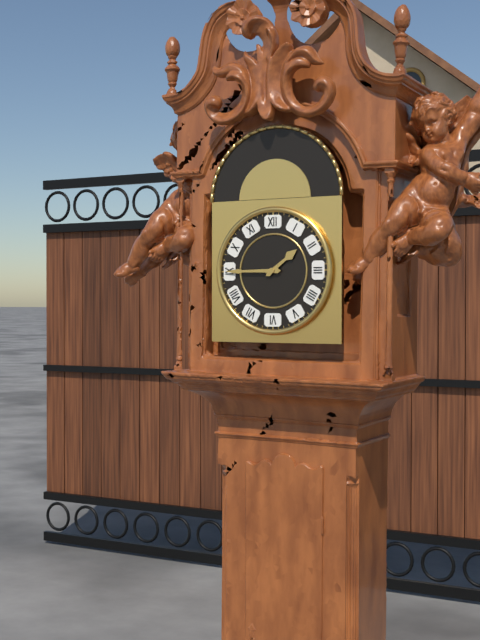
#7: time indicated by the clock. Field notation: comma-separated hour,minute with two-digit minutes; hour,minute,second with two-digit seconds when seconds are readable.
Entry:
1,45
